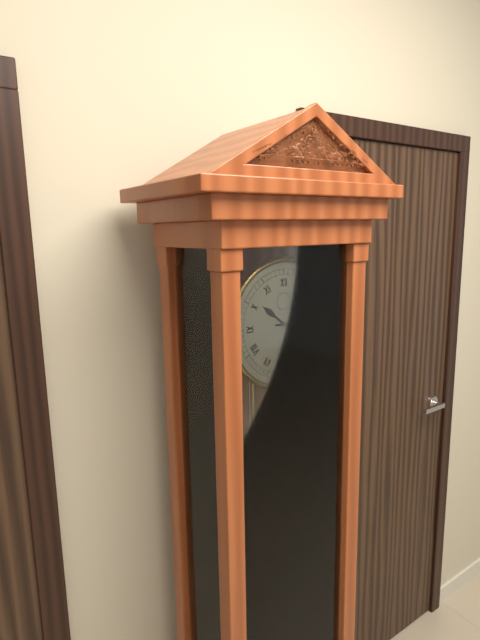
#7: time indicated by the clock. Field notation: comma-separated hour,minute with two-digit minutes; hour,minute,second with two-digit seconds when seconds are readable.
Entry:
10,15
